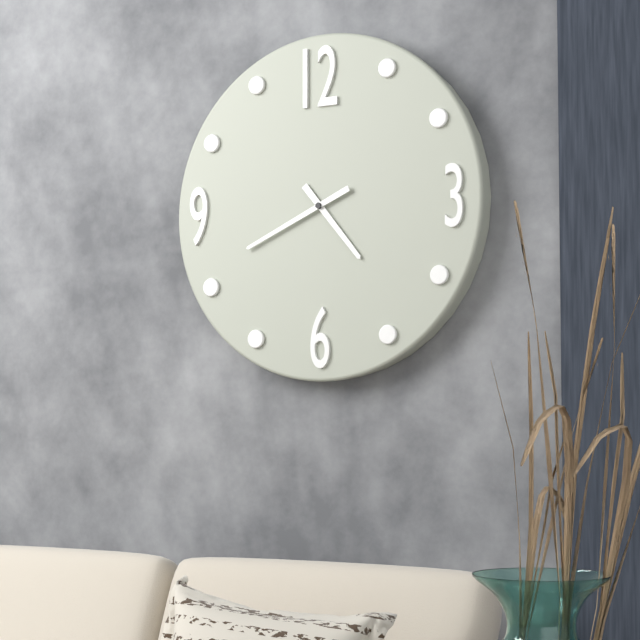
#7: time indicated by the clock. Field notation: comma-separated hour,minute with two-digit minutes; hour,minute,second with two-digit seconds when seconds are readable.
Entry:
4,41
